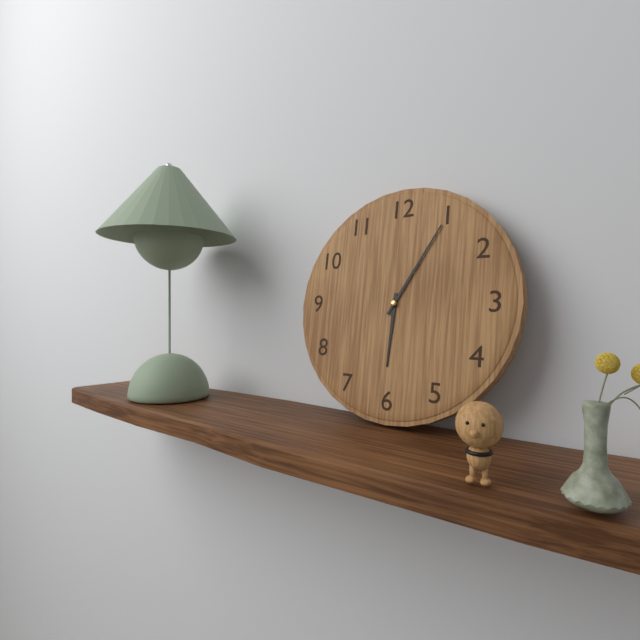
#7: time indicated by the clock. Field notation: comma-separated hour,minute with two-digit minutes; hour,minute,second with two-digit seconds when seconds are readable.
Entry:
6,05
